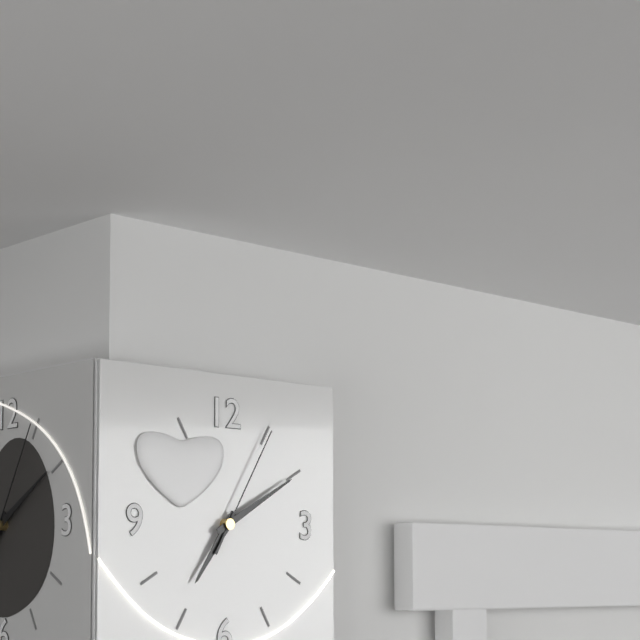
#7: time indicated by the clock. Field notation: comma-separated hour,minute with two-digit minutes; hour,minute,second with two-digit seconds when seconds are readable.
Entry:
7,10,05
